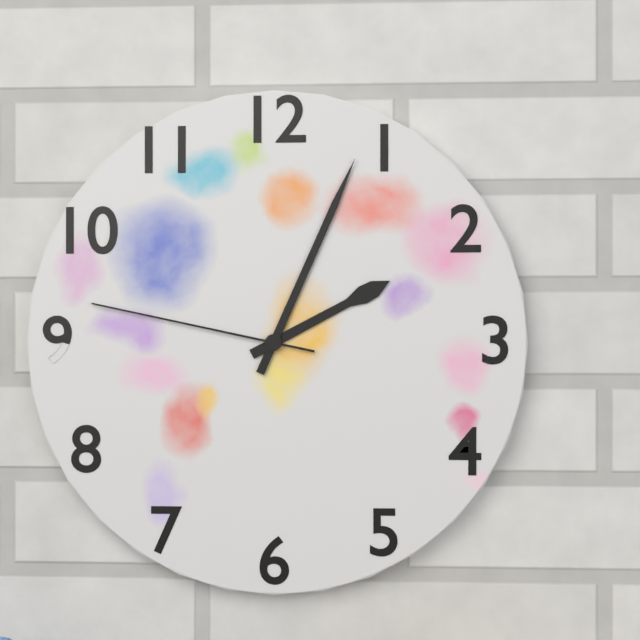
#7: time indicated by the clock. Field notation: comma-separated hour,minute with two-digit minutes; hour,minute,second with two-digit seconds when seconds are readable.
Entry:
2,04,47
